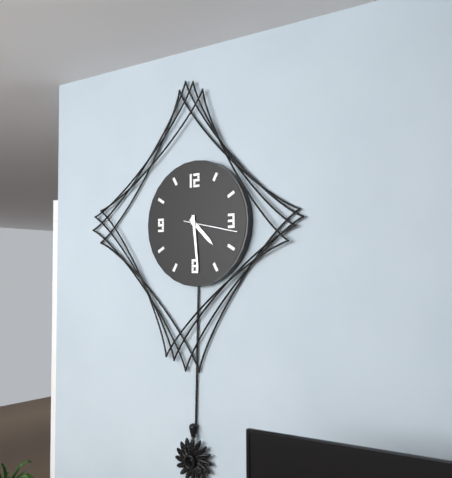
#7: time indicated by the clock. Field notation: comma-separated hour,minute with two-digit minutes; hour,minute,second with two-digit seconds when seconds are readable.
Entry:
4,29,17
